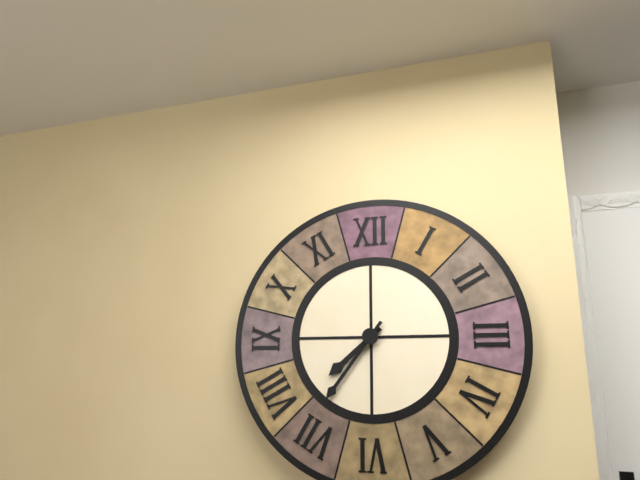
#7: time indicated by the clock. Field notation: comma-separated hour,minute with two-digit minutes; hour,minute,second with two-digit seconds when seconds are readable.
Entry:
7,36
